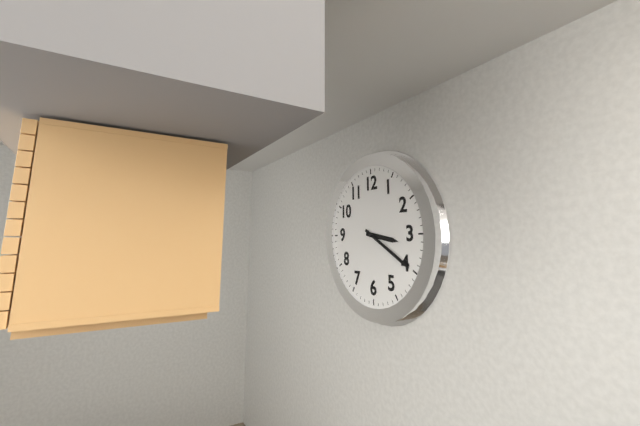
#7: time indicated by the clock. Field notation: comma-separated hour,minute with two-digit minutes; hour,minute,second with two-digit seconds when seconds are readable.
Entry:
3,20
